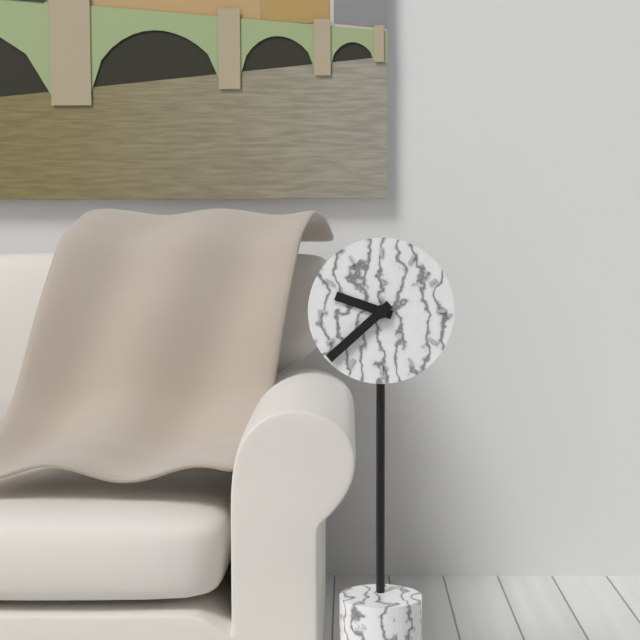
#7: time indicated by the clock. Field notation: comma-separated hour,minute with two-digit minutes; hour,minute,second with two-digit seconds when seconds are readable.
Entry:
9,38
